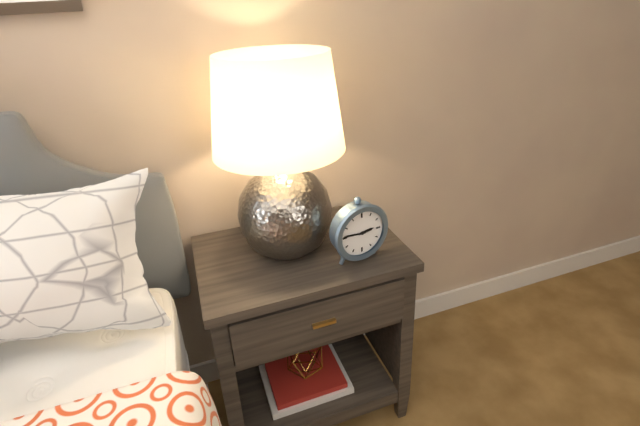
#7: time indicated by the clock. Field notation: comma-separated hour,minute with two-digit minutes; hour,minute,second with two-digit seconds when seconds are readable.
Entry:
2,46
